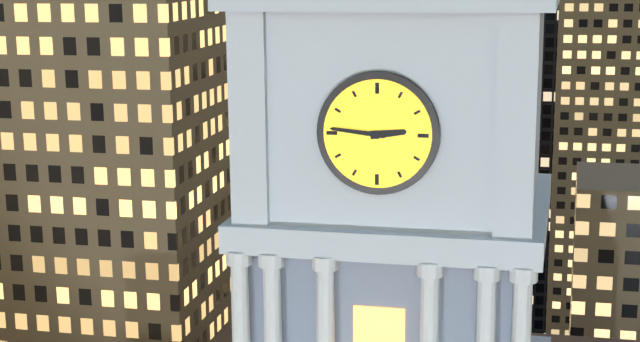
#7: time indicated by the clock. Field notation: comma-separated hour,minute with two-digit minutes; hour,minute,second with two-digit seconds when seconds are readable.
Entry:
2,46
